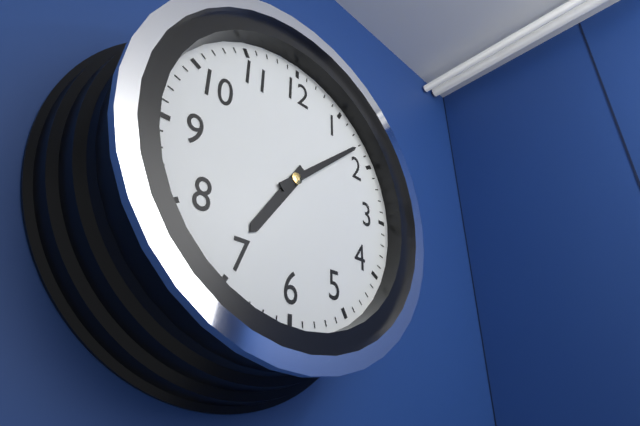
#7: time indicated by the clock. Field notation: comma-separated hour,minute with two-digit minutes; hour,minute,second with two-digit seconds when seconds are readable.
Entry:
7,08
